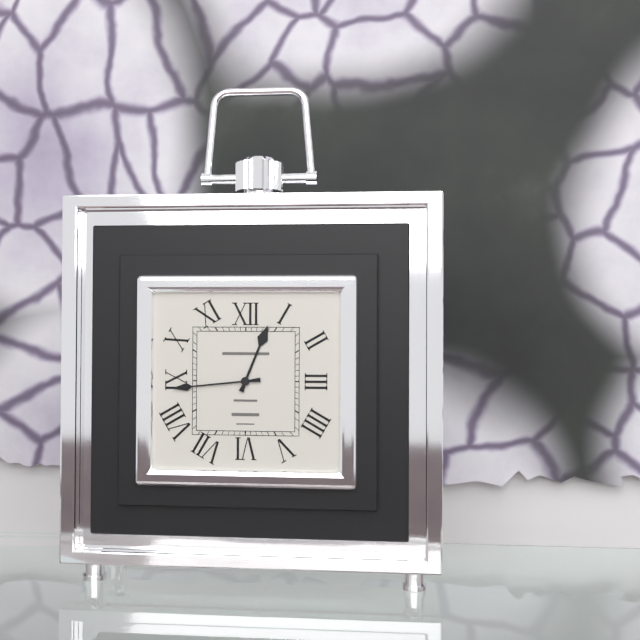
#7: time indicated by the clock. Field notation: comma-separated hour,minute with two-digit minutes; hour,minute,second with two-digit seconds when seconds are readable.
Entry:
12,44
